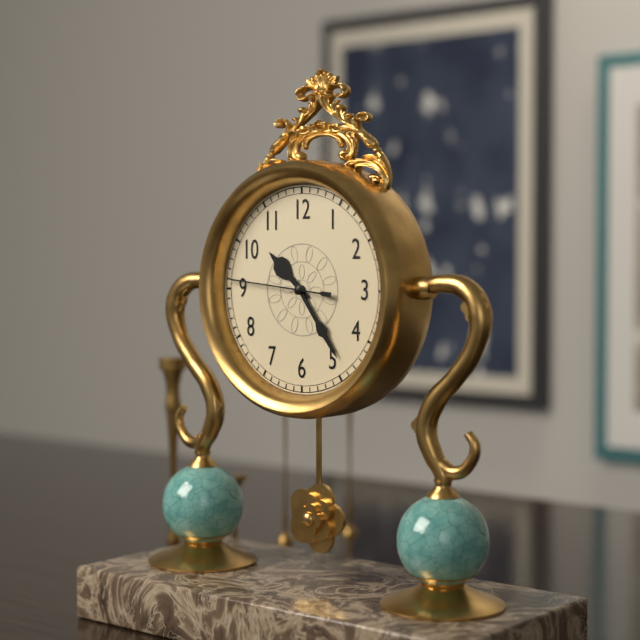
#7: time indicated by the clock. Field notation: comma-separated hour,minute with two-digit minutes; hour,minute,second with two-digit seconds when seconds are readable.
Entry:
10,24,46
